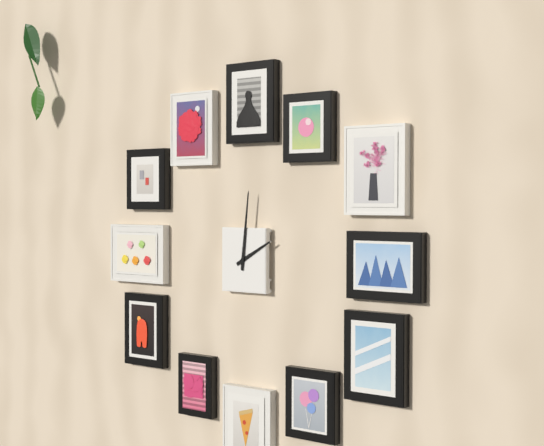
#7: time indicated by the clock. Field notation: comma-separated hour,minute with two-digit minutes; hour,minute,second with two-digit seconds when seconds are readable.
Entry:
2,01
